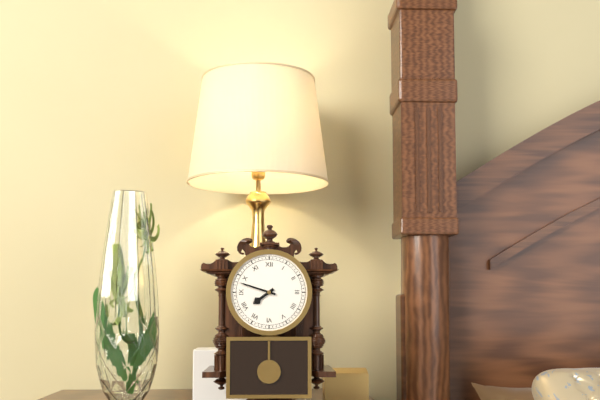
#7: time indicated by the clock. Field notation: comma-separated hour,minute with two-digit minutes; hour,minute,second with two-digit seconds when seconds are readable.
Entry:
7,48
